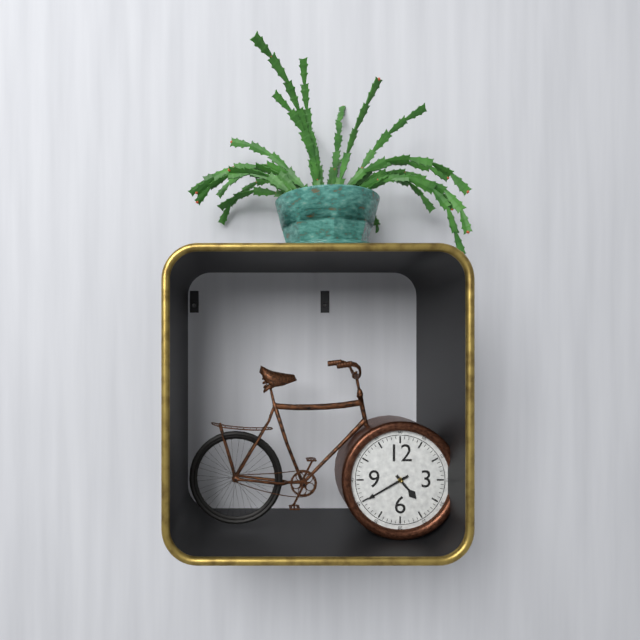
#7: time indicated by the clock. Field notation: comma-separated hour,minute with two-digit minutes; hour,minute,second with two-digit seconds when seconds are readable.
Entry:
4,40
